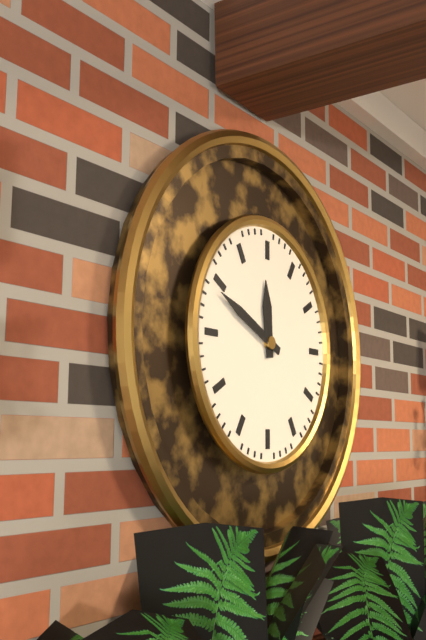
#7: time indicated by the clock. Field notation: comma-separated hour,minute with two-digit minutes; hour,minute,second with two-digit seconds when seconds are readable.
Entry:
11,49
